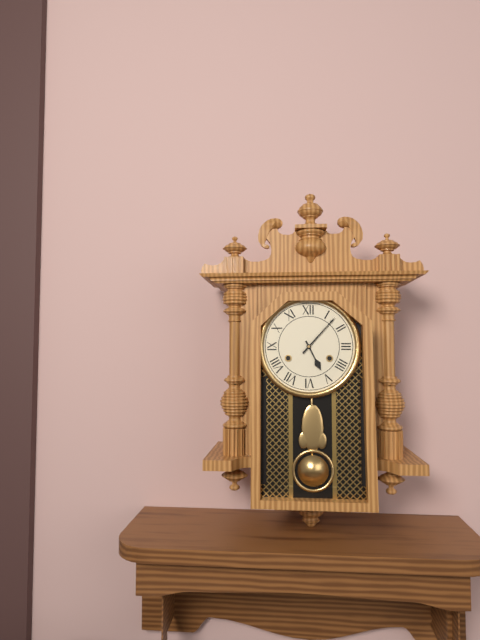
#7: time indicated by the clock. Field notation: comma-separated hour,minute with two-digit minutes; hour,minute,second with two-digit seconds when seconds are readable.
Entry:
5,07
